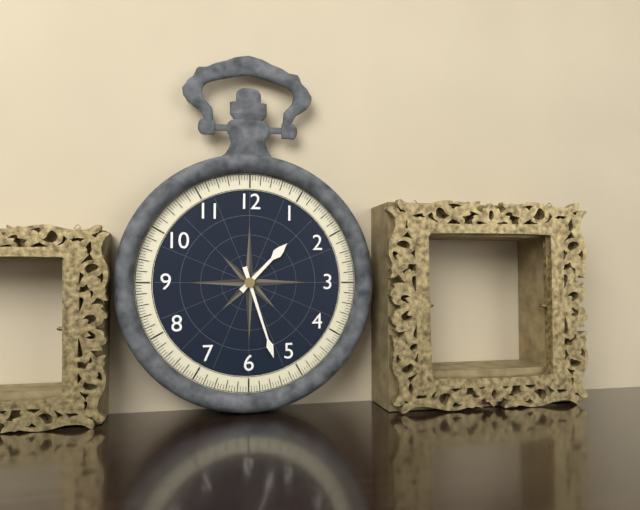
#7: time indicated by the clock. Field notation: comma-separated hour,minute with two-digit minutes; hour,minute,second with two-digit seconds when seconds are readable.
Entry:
1,27
